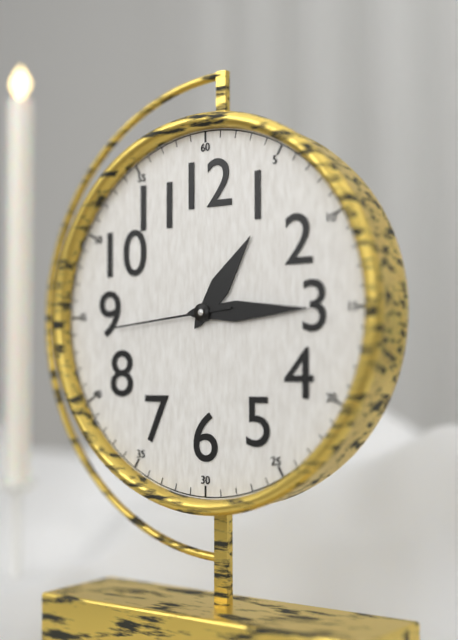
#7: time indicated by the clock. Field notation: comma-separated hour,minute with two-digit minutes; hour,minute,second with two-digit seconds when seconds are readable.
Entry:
1,15,44
